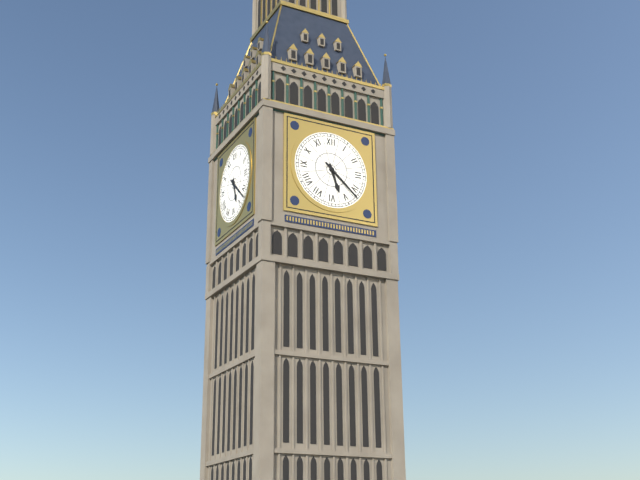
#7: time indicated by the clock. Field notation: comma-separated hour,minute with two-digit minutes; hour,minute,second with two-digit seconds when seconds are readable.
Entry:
5,22
